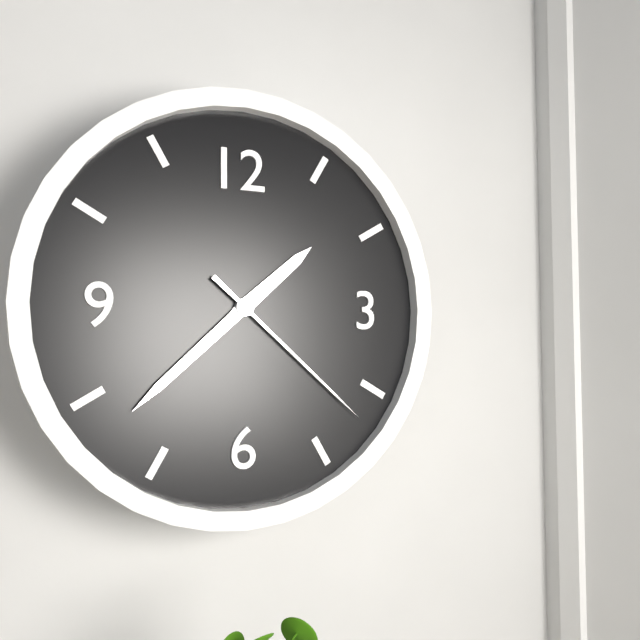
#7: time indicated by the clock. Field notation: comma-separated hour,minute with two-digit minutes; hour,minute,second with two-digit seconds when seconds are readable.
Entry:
1,38,22
